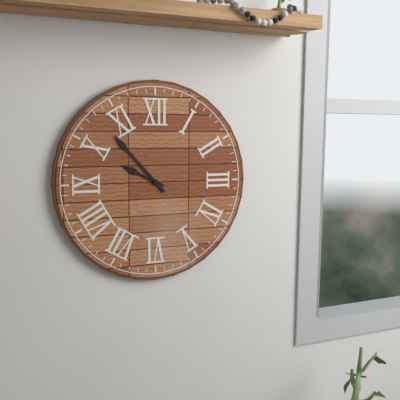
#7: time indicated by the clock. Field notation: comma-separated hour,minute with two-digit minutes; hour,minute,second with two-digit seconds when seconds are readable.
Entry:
9,53
